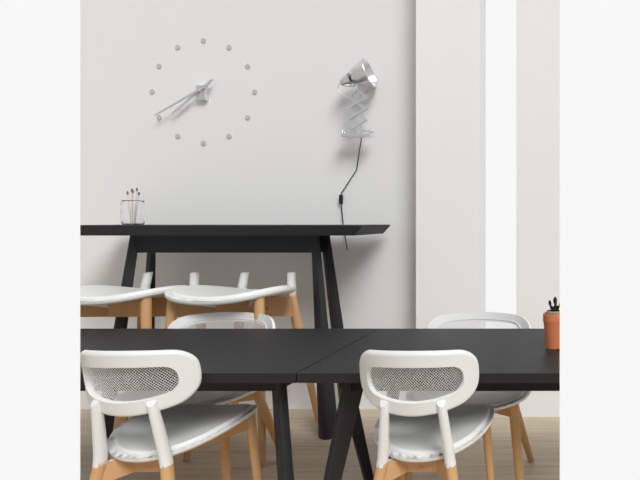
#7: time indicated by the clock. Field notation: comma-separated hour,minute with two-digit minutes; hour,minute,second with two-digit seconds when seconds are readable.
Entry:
7,40
